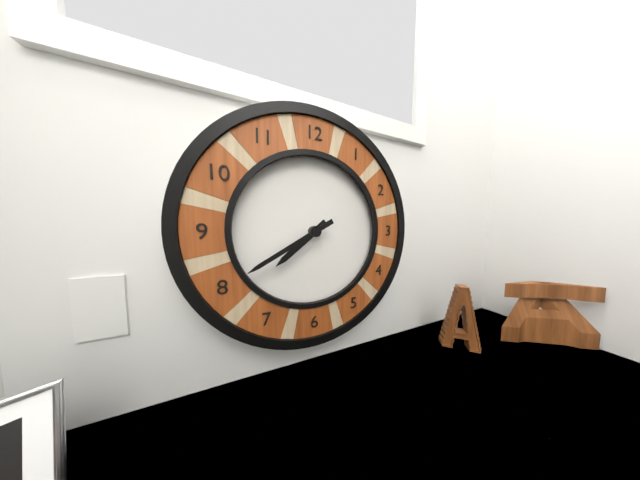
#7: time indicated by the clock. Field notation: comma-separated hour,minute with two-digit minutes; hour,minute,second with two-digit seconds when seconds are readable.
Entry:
7,40
